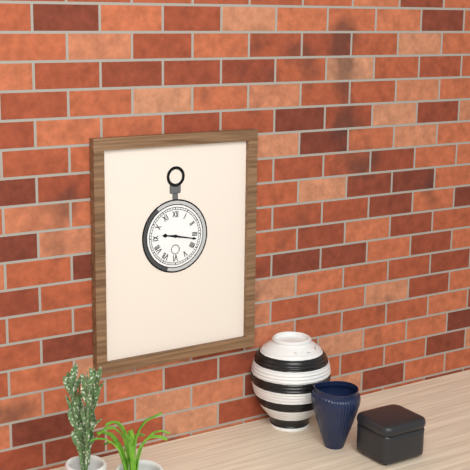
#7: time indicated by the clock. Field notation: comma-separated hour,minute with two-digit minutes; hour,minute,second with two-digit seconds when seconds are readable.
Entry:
9,17
